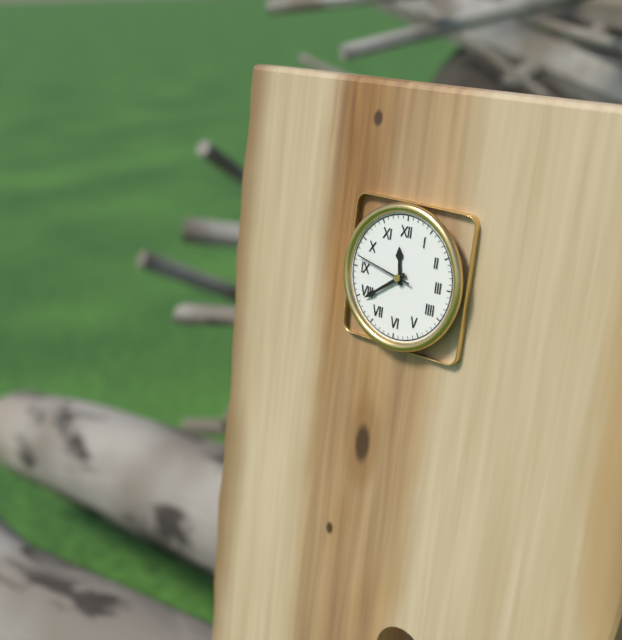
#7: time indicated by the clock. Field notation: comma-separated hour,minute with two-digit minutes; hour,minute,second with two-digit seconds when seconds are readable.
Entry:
11,39,47
